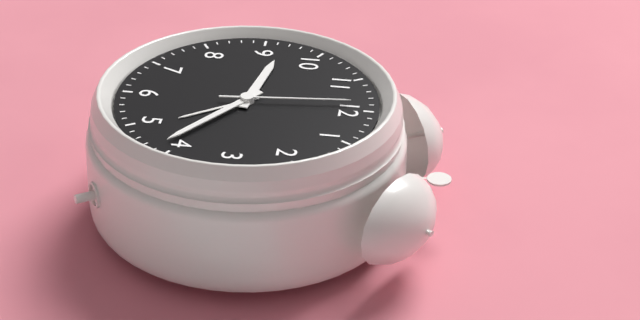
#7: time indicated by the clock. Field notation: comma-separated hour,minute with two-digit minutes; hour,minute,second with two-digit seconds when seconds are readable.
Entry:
9,21,59
